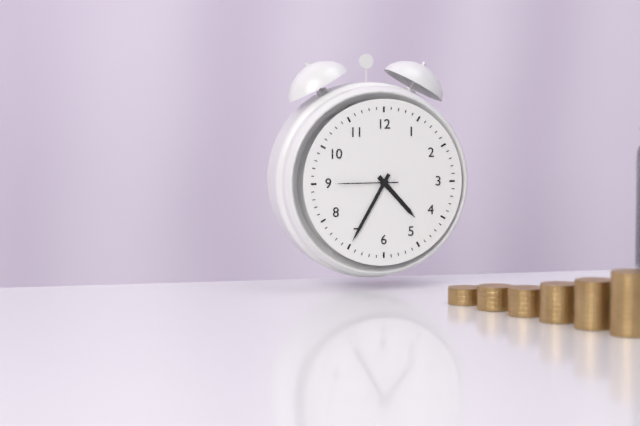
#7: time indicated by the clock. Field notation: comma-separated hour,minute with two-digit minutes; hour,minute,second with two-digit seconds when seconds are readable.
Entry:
4,35,45
